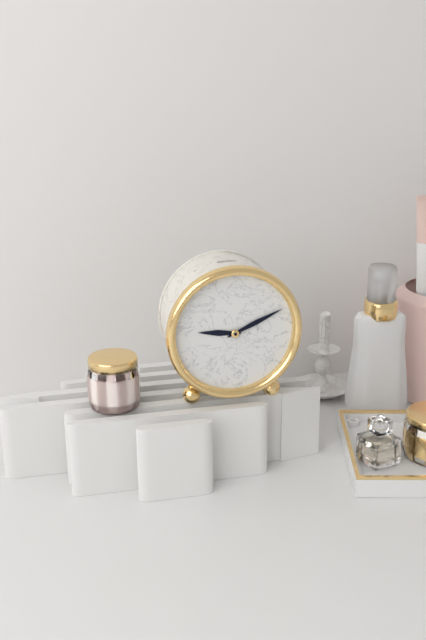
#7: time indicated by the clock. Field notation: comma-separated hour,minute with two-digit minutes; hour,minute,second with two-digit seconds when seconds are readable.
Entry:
9,11
